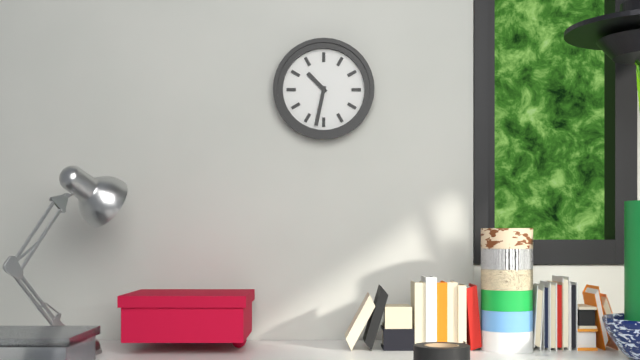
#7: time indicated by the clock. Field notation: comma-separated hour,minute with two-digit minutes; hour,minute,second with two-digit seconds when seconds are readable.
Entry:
10,32
